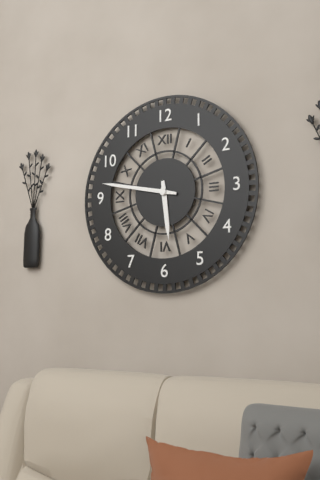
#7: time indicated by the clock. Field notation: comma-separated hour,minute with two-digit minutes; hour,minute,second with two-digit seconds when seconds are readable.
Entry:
5,47
